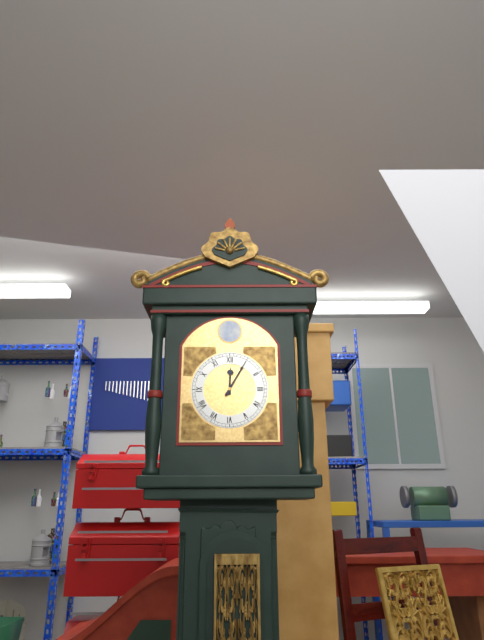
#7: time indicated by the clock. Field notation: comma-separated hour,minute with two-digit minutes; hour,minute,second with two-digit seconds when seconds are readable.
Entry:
12,05
